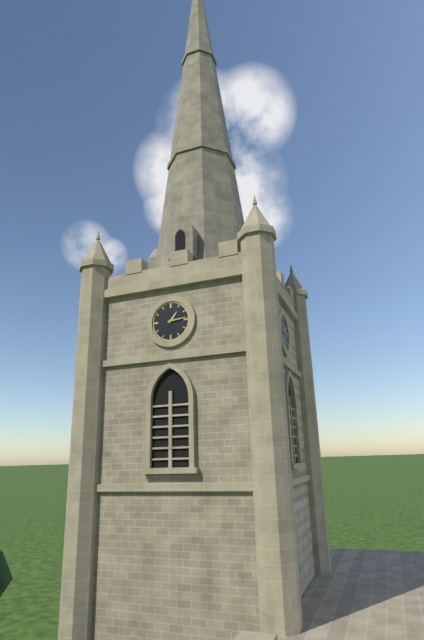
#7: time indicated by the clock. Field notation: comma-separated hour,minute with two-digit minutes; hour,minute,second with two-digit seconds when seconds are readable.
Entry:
1,14
